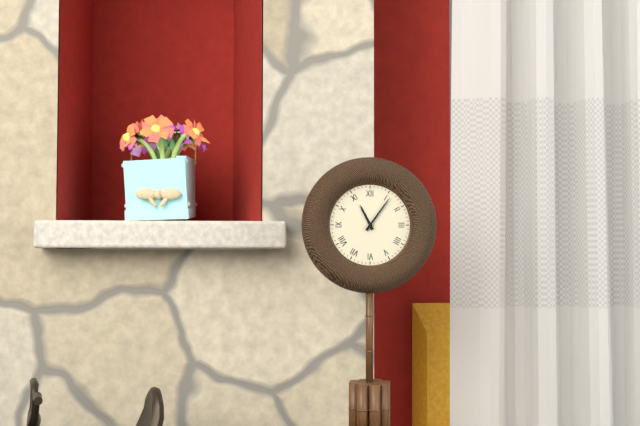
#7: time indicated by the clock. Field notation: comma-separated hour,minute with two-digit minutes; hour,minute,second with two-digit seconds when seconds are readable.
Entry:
11,06
